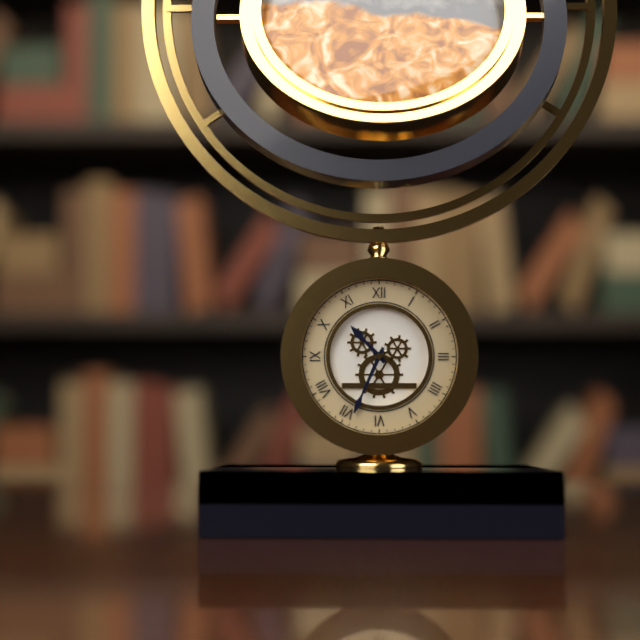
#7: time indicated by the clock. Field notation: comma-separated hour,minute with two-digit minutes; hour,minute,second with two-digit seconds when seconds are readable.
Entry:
10,34
